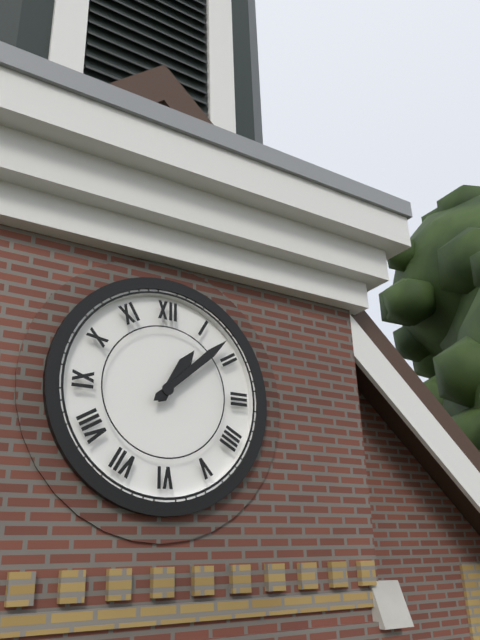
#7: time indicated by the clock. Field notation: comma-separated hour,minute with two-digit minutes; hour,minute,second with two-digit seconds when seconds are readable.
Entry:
1,08
